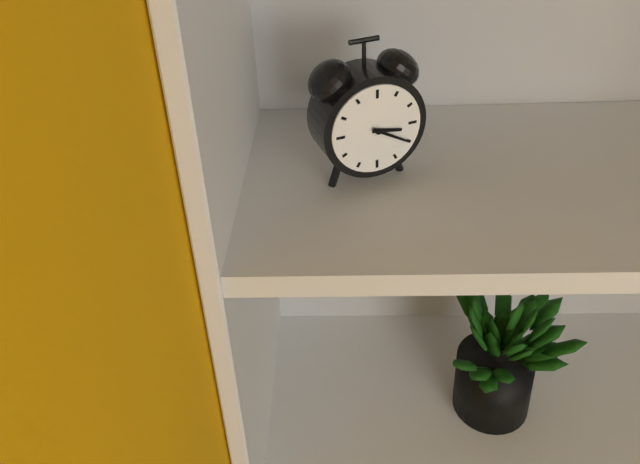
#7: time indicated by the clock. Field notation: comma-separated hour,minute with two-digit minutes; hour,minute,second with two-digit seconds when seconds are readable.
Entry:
3,20
